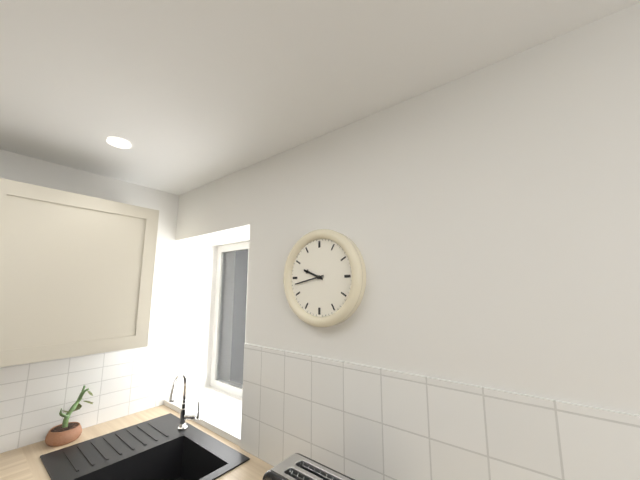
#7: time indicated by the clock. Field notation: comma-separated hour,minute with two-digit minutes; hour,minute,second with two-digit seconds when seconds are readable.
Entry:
9,43
